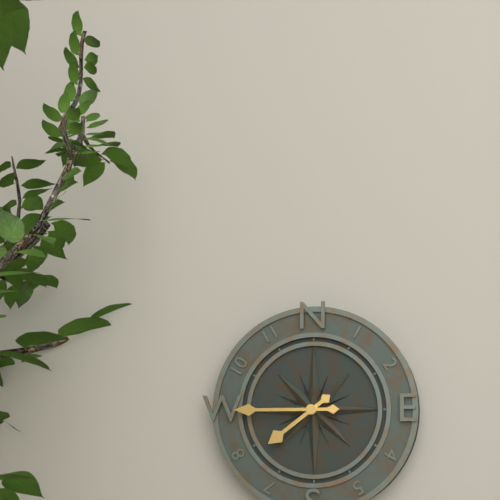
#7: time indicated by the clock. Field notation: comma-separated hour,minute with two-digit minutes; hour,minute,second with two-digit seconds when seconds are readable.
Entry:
7,45
